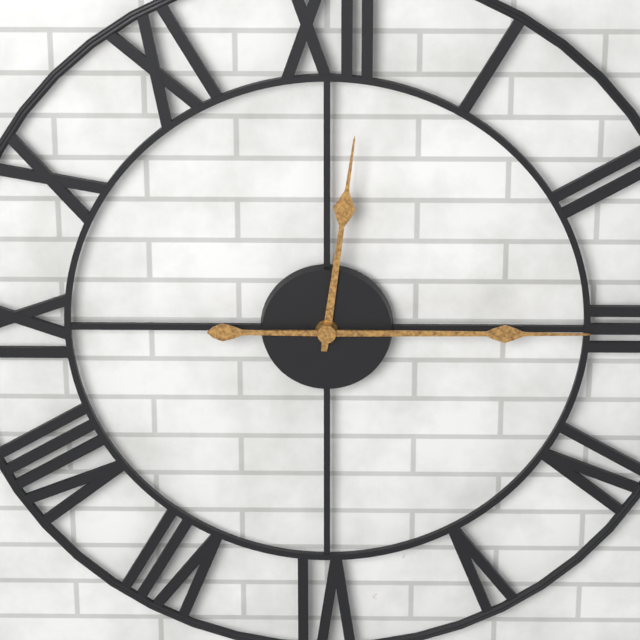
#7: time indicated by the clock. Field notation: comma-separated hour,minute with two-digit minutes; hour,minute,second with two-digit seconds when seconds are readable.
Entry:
12,15
